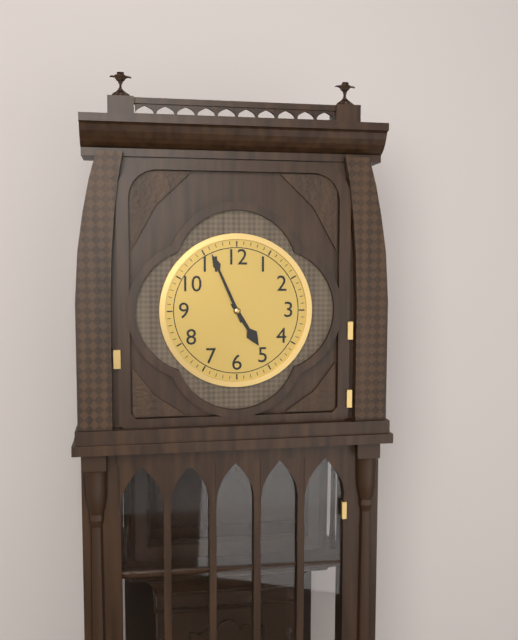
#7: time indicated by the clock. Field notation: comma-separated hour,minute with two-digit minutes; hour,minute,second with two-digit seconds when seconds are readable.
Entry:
4,56
